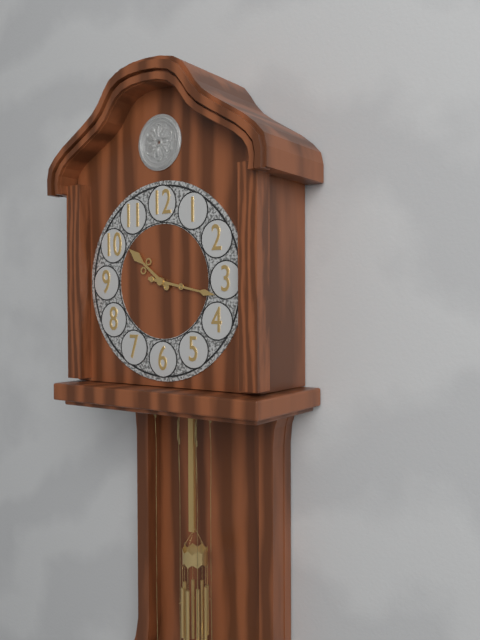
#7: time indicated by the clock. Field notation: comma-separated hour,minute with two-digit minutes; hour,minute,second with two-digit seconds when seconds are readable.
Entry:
10,17
